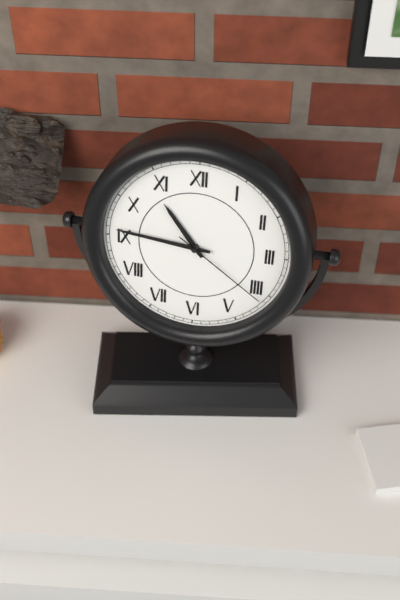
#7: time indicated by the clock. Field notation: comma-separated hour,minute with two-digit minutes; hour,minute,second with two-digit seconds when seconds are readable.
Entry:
10,46,21
